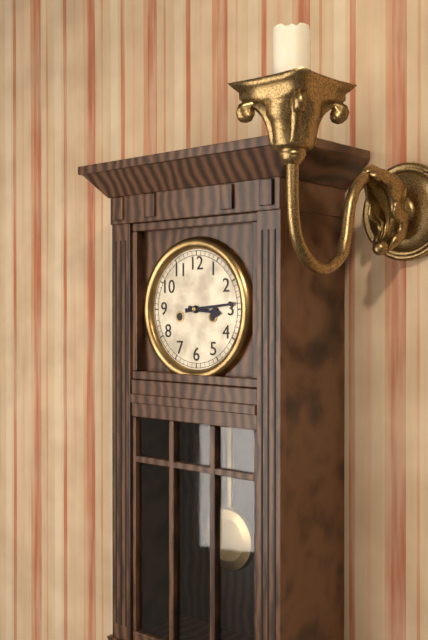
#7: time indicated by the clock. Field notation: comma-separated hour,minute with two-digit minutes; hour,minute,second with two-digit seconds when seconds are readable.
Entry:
3,14
